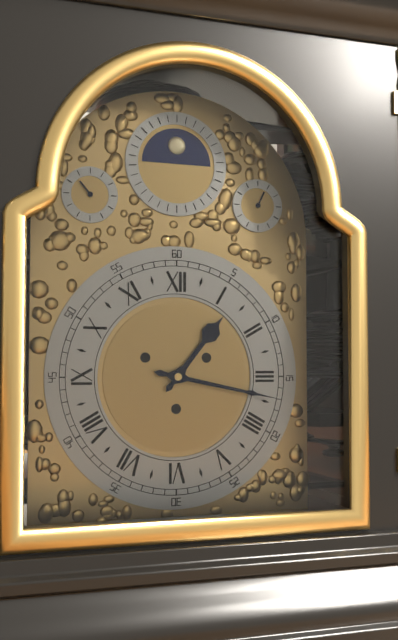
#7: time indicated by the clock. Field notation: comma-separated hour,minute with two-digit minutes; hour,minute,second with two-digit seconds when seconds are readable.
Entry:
1,17
